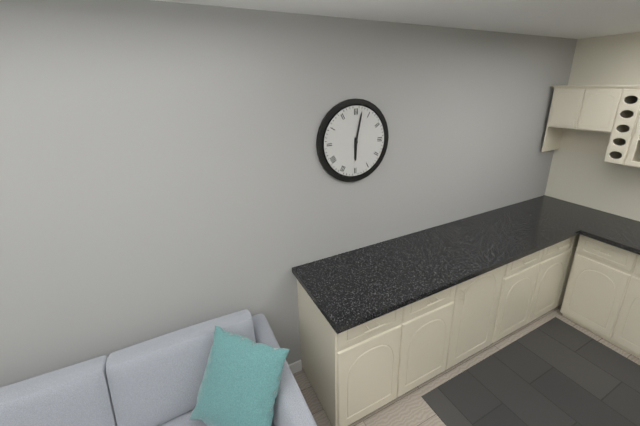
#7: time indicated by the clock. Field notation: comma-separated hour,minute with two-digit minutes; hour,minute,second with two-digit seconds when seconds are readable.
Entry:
6,02
